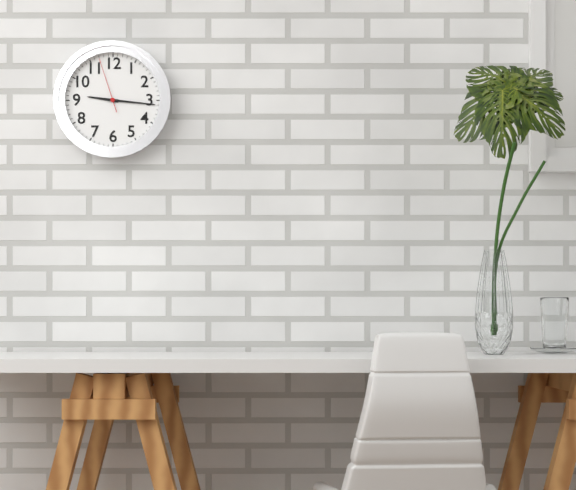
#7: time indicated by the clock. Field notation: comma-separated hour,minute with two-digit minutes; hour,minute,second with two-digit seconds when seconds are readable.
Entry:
9,16,57
